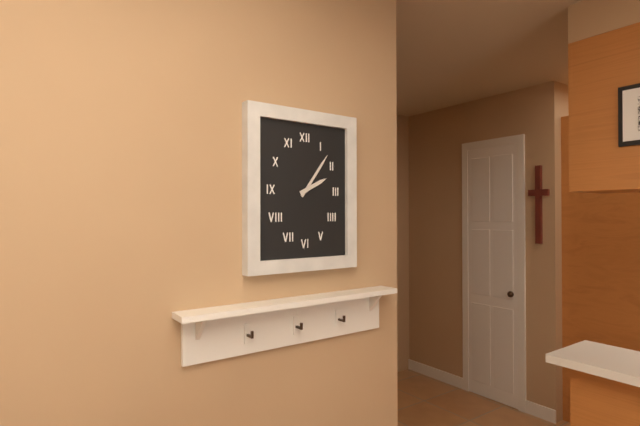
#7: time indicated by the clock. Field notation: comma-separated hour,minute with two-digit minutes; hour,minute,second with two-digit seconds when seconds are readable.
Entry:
2,06
